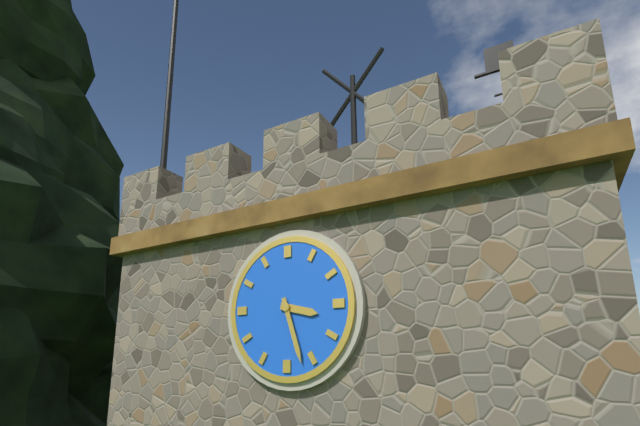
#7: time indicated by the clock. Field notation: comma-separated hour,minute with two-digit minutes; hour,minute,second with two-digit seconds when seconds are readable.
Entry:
3,27
